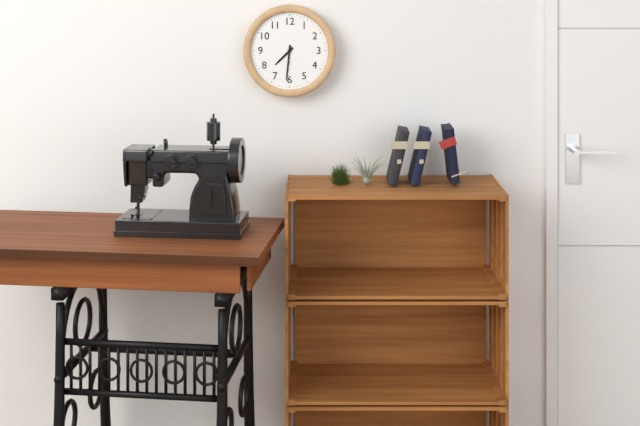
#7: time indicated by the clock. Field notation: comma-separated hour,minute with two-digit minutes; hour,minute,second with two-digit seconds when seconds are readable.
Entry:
7,31
